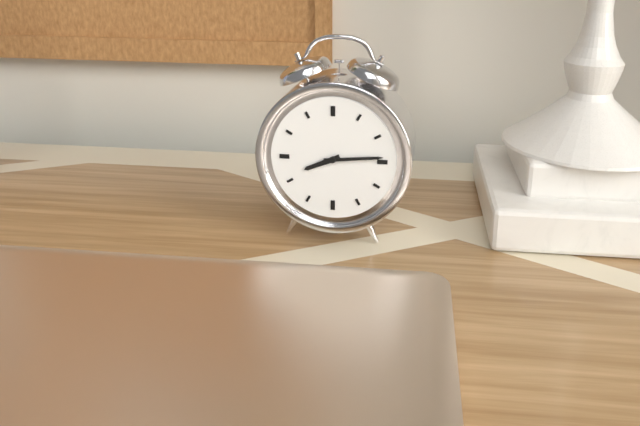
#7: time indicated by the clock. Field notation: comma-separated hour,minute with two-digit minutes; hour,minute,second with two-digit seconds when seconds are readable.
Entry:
8,14
